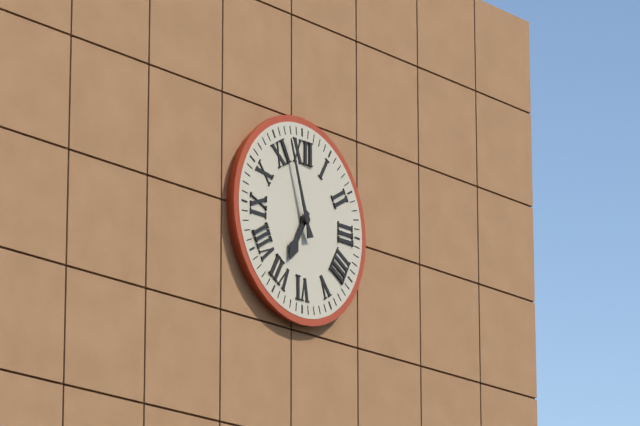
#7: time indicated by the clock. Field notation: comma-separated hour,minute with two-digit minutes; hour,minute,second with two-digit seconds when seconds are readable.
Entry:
6,57
